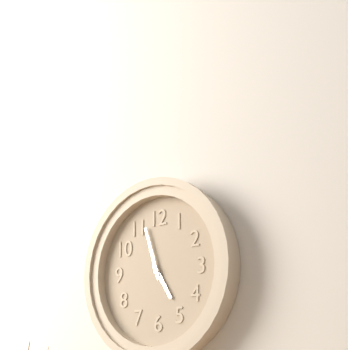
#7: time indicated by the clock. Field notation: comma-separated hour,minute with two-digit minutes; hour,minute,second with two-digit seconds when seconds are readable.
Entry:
4,57
